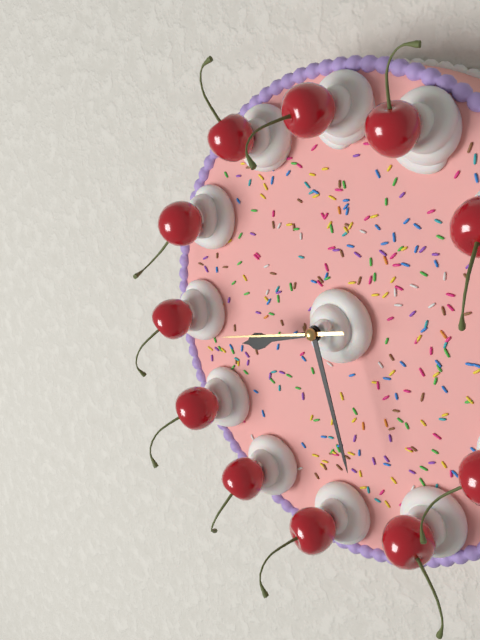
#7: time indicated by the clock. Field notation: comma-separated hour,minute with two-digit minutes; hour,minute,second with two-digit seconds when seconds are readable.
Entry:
8,27,43
